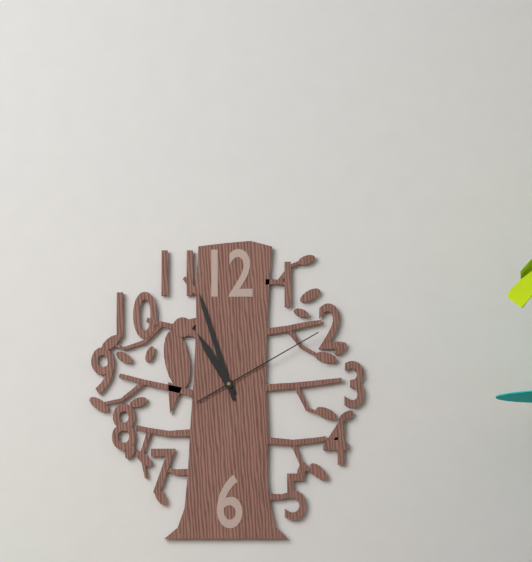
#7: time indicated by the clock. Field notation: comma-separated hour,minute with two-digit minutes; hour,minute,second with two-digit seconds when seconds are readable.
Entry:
10,57,10
